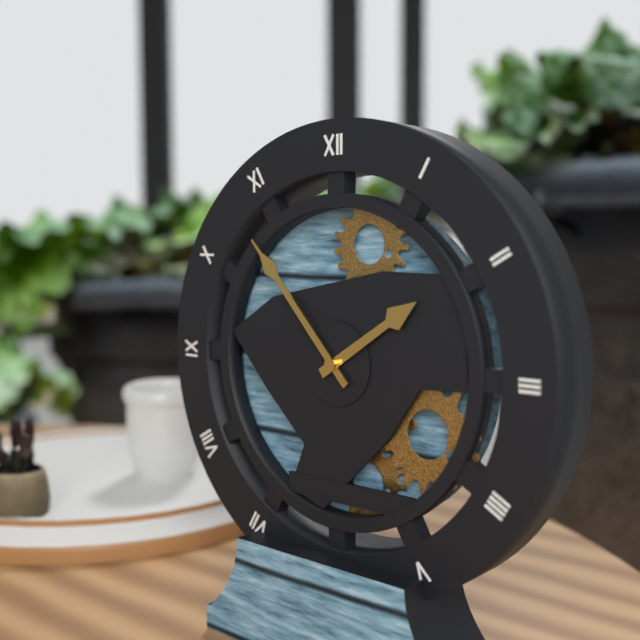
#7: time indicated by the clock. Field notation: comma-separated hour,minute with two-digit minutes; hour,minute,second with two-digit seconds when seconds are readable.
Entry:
1,53
